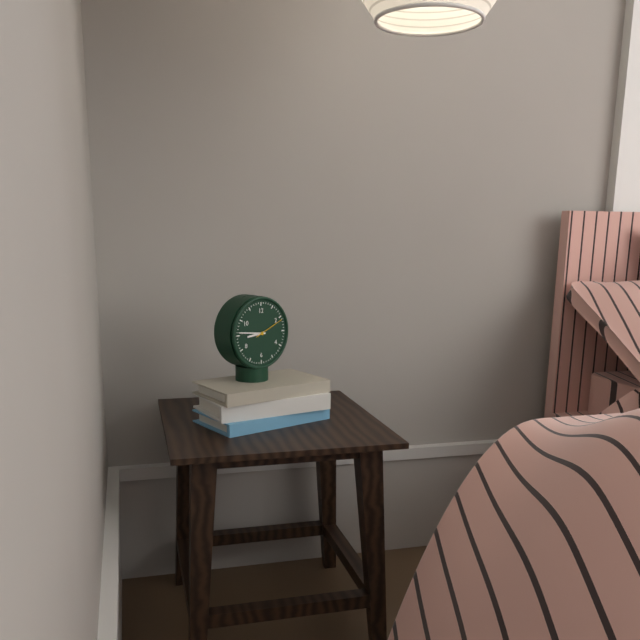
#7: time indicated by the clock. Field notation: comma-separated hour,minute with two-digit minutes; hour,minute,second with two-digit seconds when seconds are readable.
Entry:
8,46
